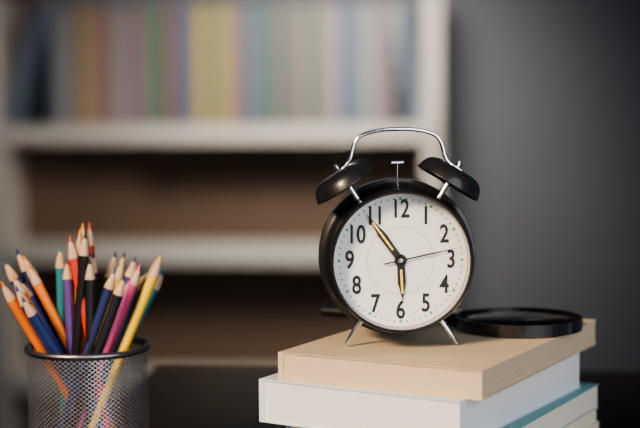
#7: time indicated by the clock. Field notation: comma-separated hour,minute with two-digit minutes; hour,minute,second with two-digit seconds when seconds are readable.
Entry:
5,54,13
